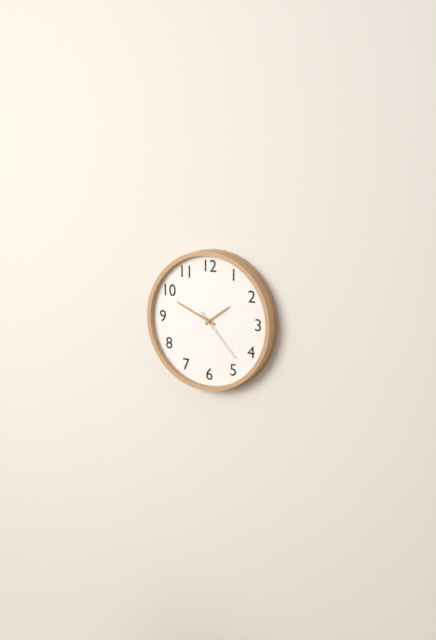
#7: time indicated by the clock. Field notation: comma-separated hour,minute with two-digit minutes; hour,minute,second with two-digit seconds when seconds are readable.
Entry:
1,49,23
